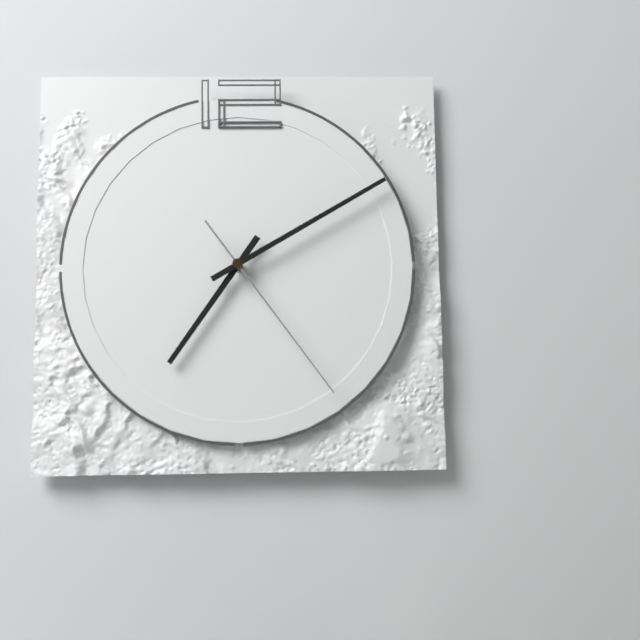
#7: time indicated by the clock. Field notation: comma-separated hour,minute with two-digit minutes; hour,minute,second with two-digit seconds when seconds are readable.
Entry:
7,10,24
